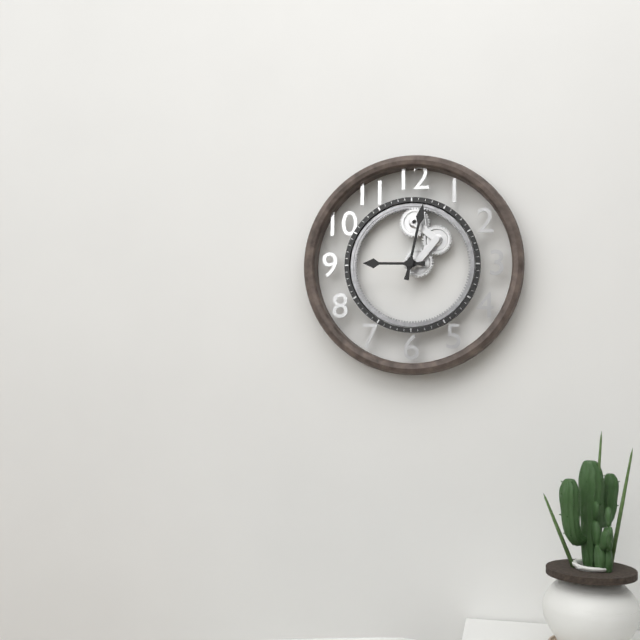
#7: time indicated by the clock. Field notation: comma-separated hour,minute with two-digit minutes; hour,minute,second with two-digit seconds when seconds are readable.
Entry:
9,02
